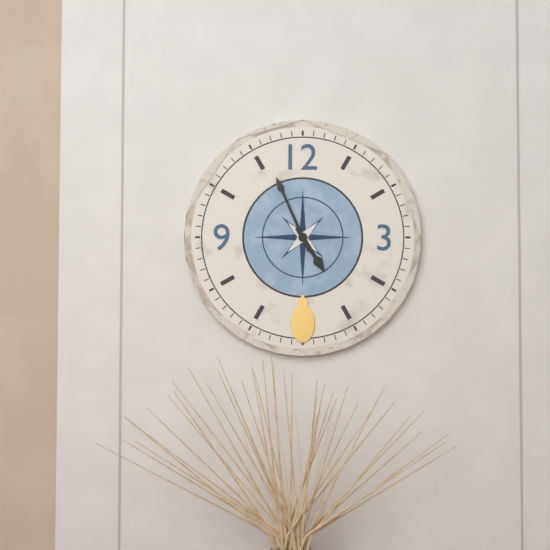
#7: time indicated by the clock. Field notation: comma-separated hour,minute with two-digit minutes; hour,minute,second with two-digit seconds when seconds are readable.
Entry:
4,56
